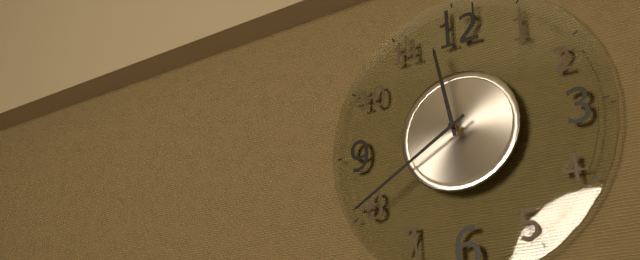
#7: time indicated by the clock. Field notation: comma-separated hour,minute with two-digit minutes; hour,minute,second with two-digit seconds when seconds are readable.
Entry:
11,40
